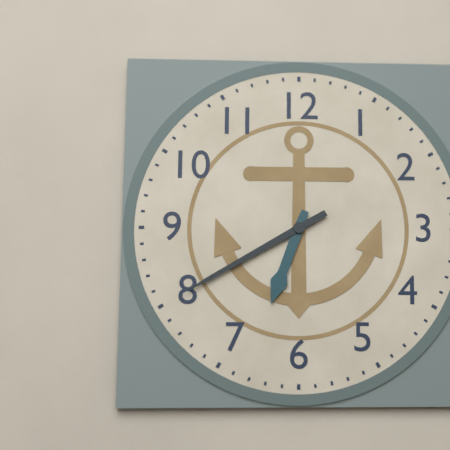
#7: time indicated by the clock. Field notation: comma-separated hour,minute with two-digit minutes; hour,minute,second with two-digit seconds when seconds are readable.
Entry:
6,40
